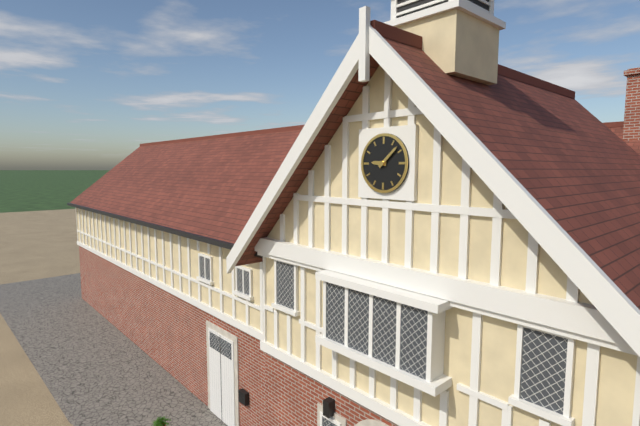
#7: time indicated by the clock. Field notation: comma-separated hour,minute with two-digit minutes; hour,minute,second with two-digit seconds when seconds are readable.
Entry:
9,08
